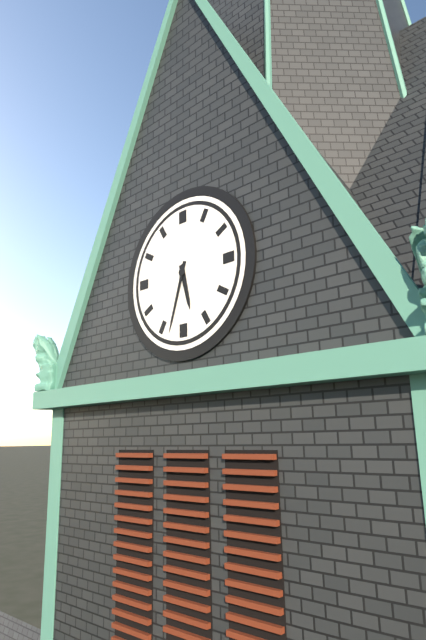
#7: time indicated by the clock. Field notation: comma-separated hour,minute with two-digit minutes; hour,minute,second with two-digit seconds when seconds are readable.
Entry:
5,33
